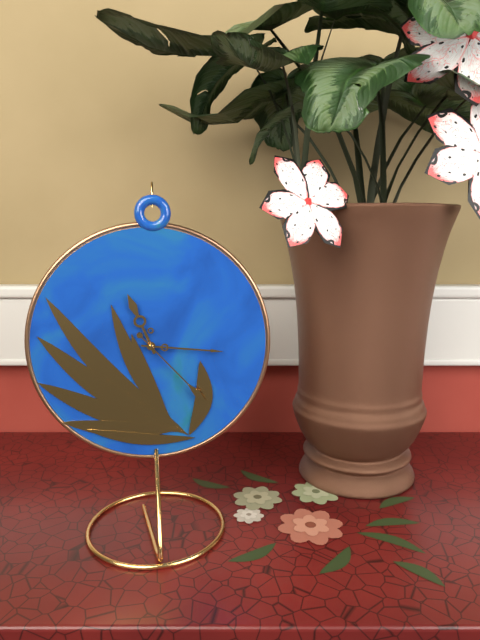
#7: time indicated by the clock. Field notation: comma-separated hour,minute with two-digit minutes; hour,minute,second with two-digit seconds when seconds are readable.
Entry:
11,16,23
